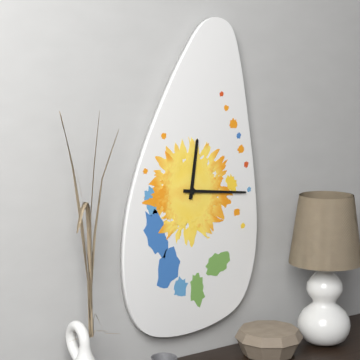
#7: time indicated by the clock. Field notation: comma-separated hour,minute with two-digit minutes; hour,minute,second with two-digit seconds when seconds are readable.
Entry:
12,16
